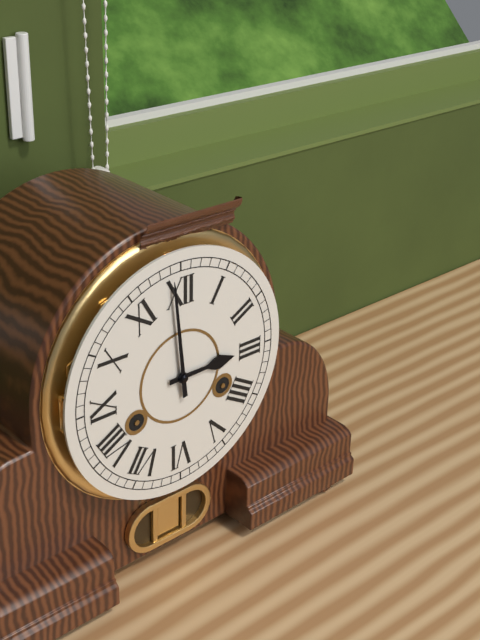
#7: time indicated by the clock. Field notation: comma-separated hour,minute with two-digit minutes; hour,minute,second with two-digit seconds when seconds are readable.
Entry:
2,59
